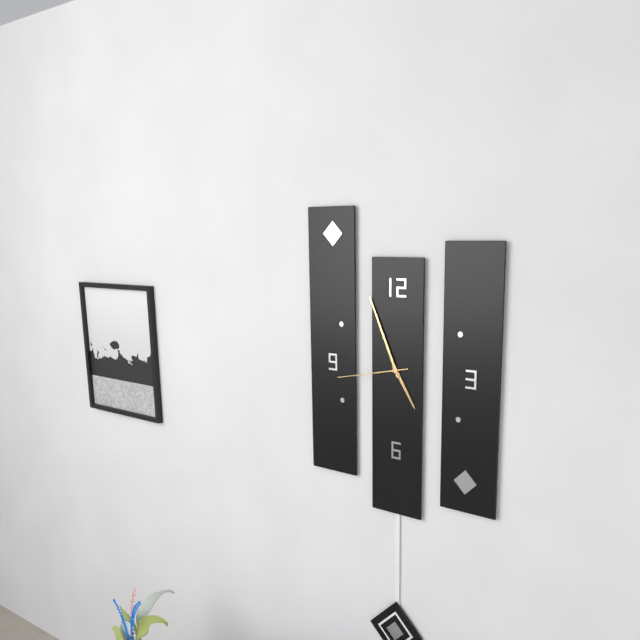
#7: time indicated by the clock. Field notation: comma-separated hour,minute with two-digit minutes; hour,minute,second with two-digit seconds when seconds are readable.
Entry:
4,56,43
